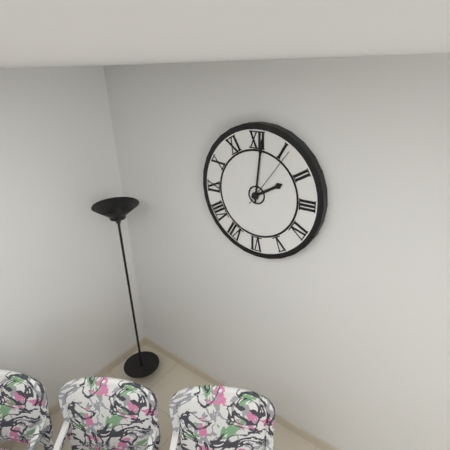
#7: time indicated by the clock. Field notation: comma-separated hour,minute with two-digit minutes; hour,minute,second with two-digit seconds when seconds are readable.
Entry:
2,01,06
